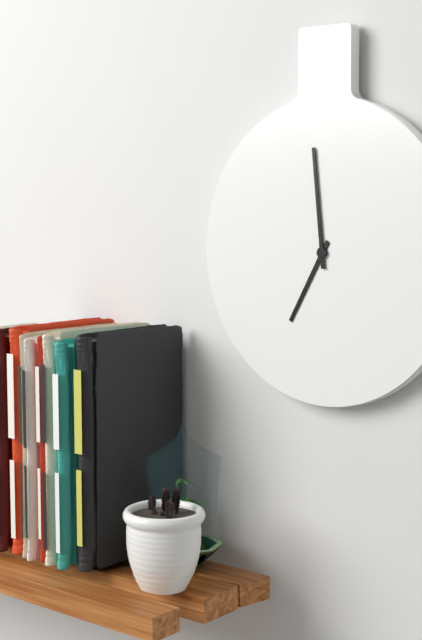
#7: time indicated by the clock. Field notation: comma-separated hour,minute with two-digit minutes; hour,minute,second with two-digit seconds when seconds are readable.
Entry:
6,59
